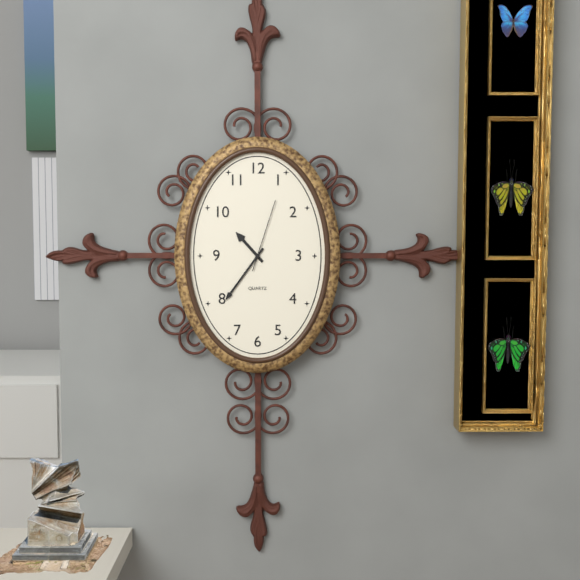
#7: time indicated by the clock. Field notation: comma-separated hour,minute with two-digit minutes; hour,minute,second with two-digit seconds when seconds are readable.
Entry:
10,36,03
